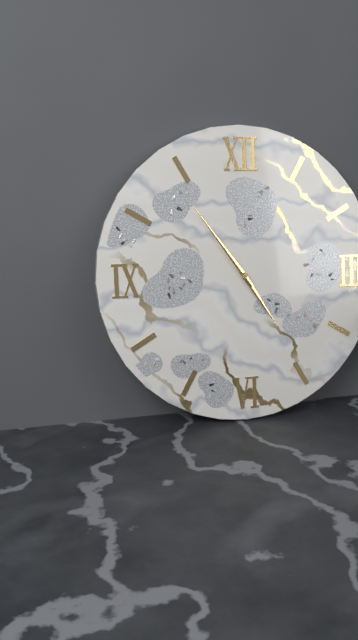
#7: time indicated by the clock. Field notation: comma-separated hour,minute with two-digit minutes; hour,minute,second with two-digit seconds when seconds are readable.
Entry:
4,54
